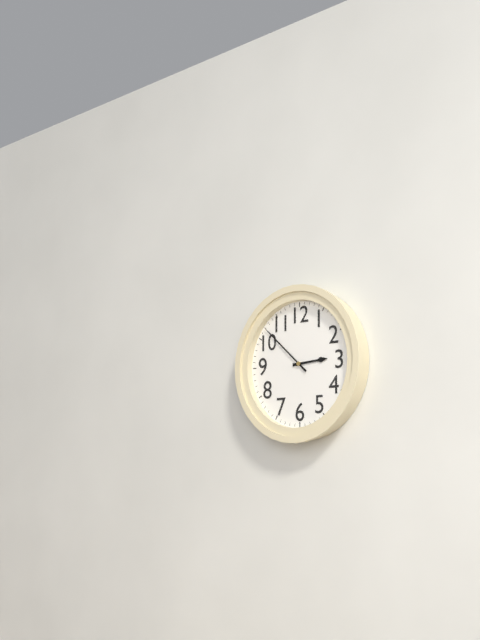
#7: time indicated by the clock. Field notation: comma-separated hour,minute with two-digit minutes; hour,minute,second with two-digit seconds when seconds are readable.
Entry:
2,52
